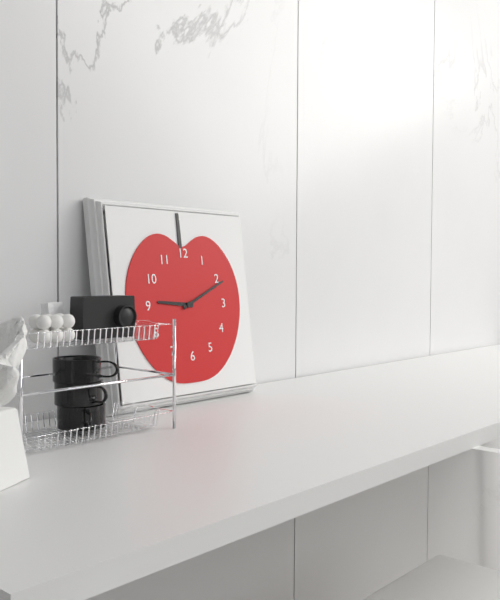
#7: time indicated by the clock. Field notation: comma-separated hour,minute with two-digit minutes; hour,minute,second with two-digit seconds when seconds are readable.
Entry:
9,11
